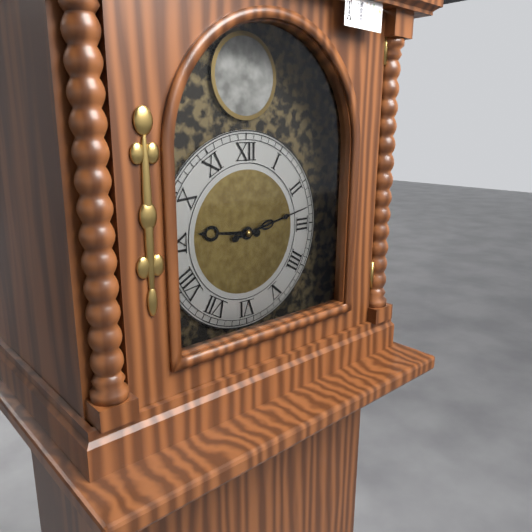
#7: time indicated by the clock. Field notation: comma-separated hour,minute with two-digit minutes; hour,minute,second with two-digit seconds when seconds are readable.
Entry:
9,13
